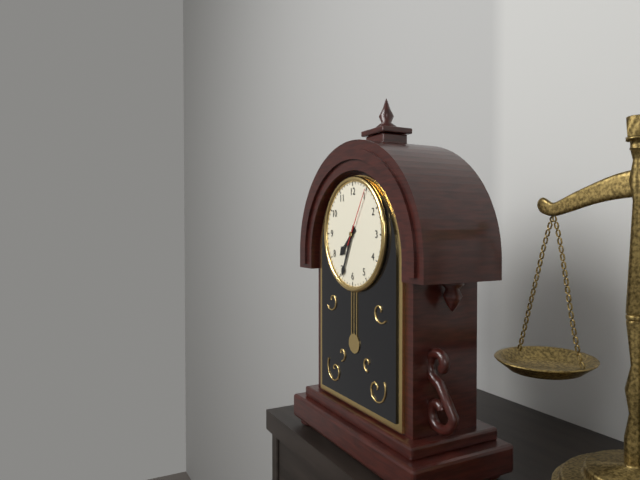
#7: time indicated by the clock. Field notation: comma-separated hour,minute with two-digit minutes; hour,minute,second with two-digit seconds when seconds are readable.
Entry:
7,34,05
